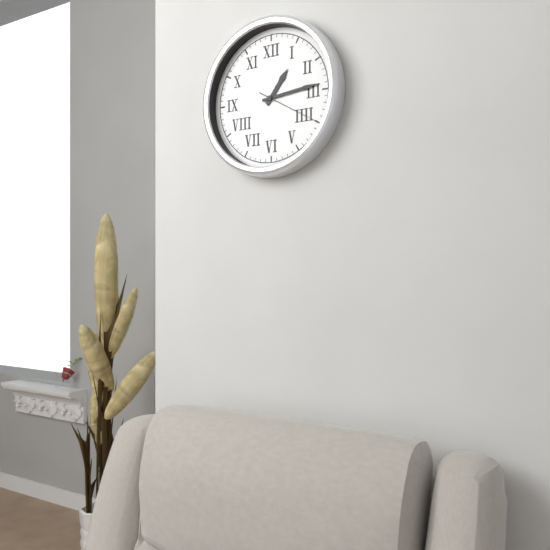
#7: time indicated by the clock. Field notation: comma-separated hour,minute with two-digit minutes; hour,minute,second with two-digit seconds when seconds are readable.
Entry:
1,14,20
